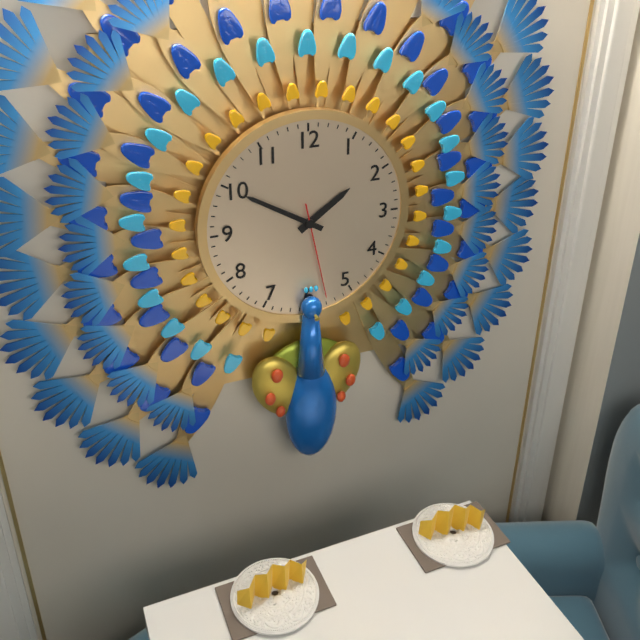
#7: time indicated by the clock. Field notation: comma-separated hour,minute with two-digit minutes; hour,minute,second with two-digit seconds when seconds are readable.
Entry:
1,50,28
